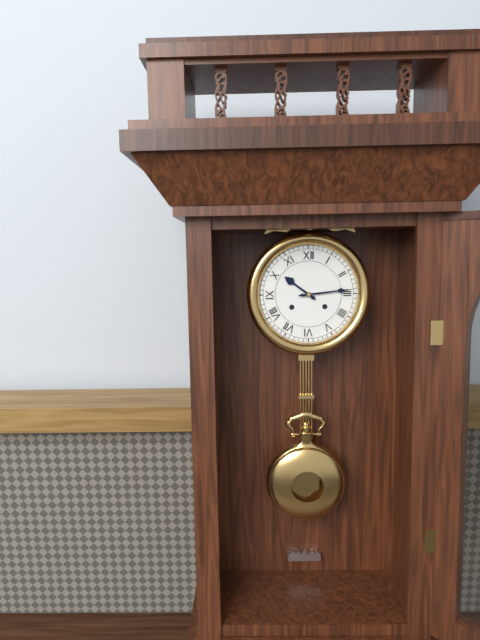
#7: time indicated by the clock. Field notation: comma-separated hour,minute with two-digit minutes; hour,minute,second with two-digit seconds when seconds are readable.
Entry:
10,14
